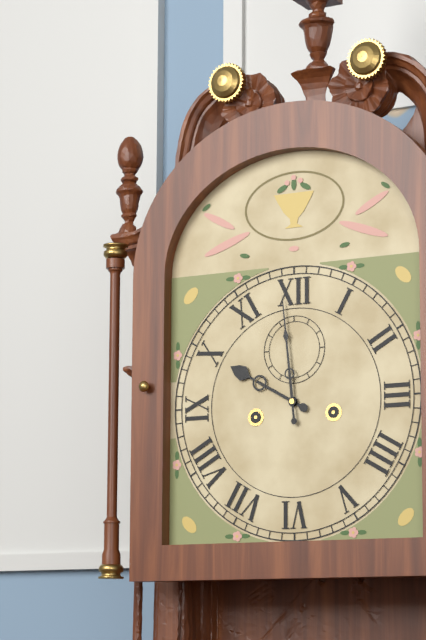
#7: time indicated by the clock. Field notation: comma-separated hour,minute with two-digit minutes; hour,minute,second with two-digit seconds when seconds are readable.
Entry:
9,59
